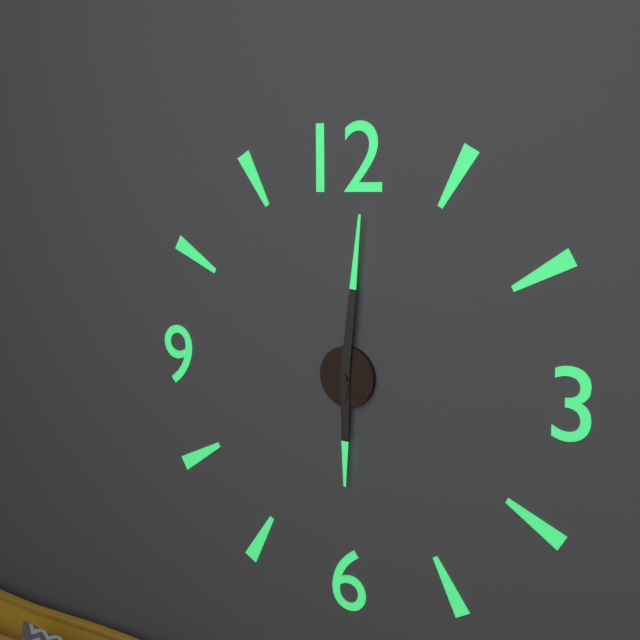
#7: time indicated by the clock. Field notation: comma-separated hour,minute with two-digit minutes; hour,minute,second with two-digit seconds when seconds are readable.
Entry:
6,01
